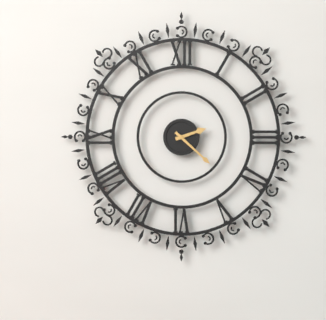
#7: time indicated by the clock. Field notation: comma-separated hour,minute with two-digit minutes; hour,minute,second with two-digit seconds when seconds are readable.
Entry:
2,22
